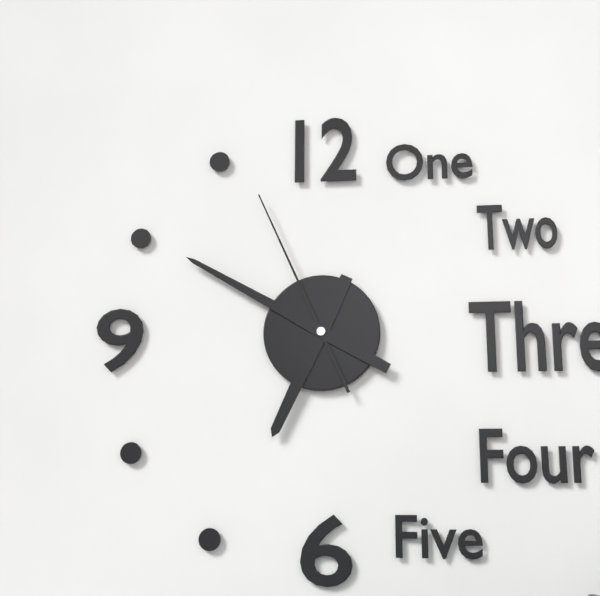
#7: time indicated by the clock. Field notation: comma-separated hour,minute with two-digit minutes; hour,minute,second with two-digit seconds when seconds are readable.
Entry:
6,50,56
